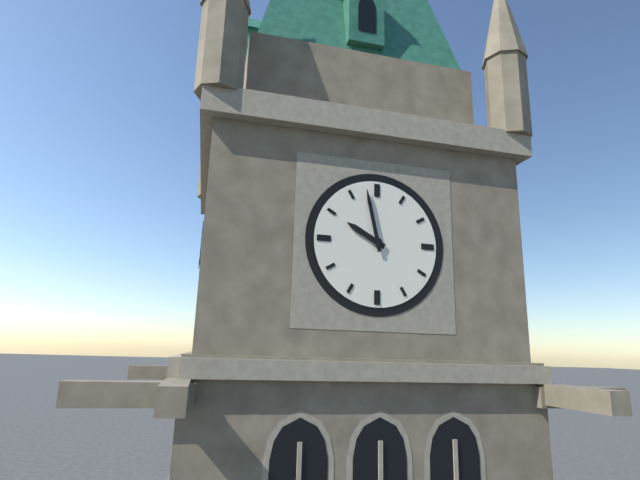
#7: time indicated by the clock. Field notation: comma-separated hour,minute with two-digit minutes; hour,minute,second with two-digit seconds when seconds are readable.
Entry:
9,58
